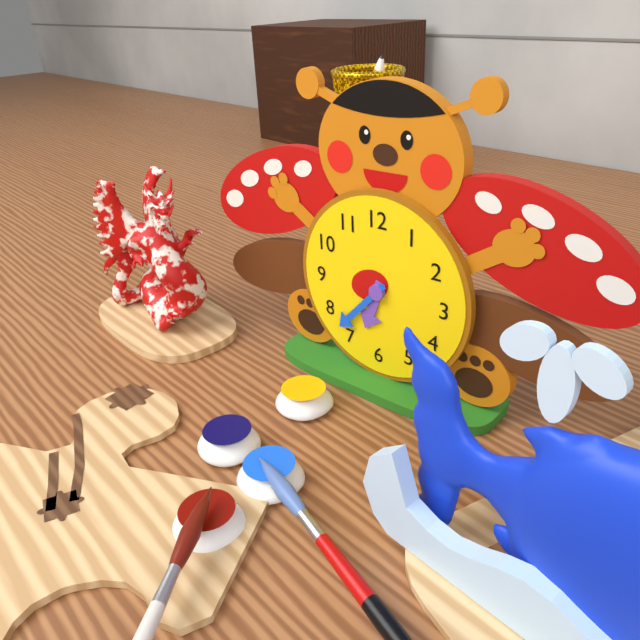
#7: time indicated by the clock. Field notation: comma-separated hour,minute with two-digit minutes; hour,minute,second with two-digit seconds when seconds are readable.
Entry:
6,37
